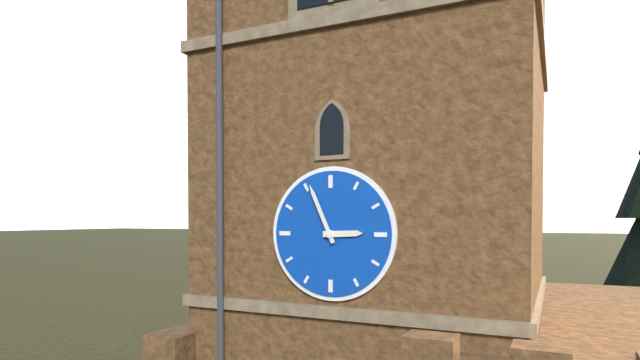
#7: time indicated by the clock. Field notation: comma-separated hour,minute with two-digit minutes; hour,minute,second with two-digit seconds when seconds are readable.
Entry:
2,56
